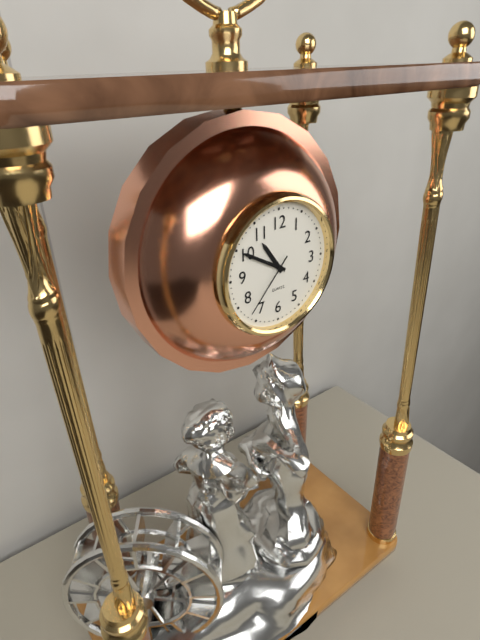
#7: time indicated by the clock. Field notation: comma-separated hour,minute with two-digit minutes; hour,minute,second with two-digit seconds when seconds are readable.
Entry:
10,50,37
